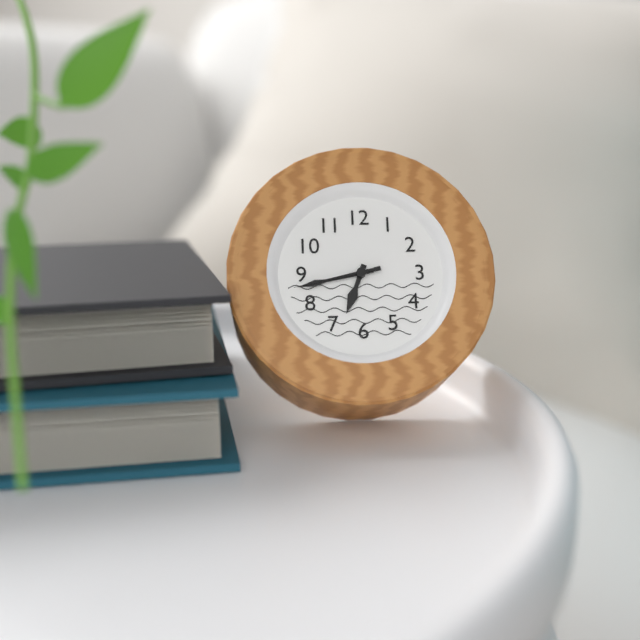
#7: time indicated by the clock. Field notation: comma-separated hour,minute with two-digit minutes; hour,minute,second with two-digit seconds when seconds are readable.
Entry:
6,43,43
